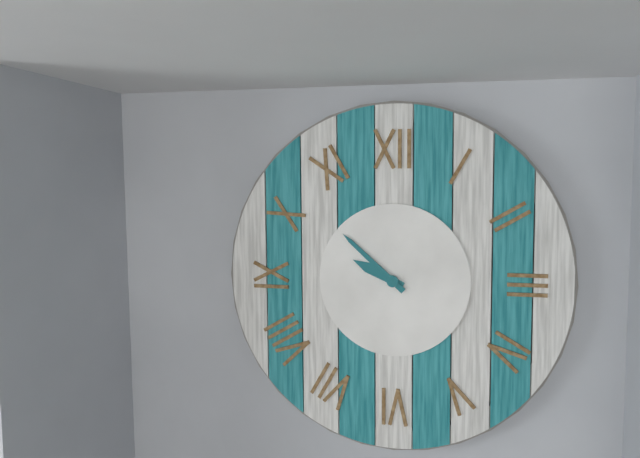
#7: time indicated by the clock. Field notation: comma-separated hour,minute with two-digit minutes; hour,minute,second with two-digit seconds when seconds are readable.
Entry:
9,52
